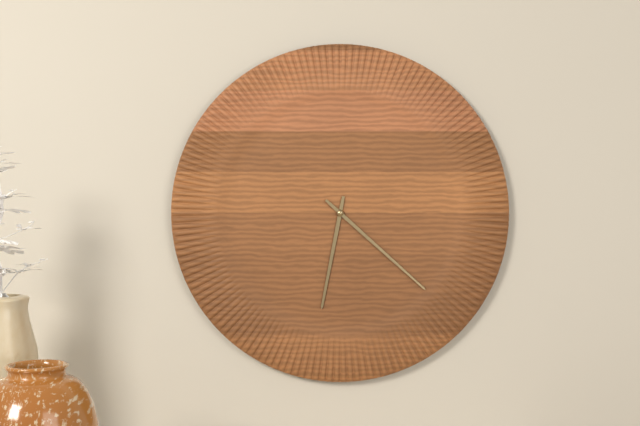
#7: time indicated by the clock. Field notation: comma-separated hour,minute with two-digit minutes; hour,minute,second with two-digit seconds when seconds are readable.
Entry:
6,22
